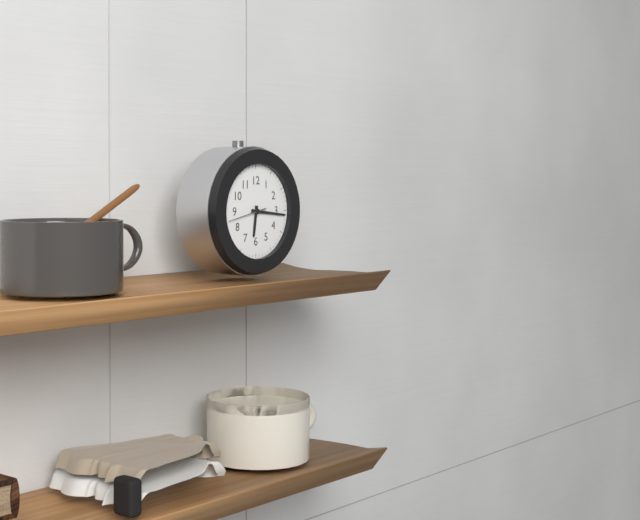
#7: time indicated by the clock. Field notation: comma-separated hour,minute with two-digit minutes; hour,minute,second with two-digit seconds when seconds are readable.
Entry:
6,16
